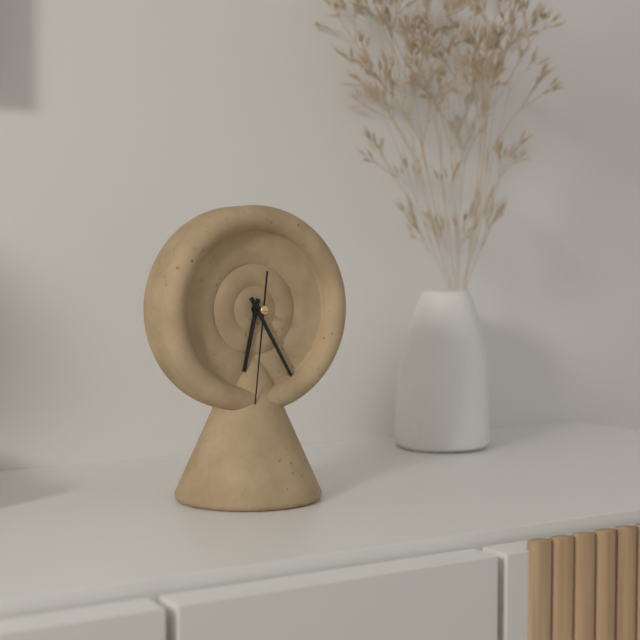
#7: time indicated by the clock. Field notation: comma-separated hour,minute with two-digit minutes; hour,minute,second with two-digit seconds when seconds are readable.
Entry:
6,25,31
